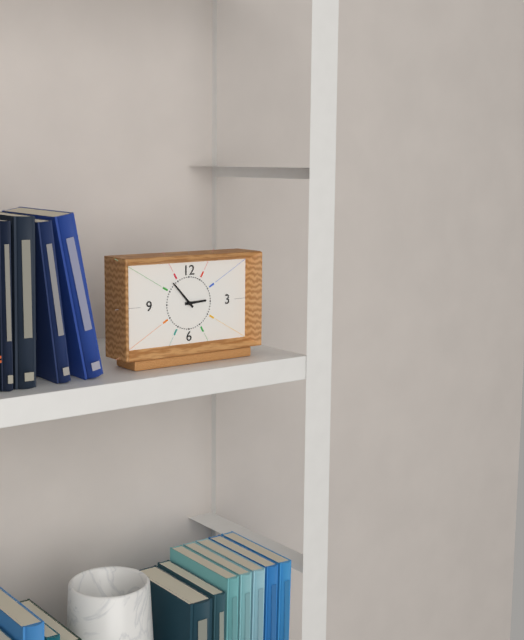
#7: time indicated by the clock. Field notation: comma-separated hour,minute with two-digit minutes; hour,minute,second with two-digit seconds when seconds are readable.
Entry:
2,53
